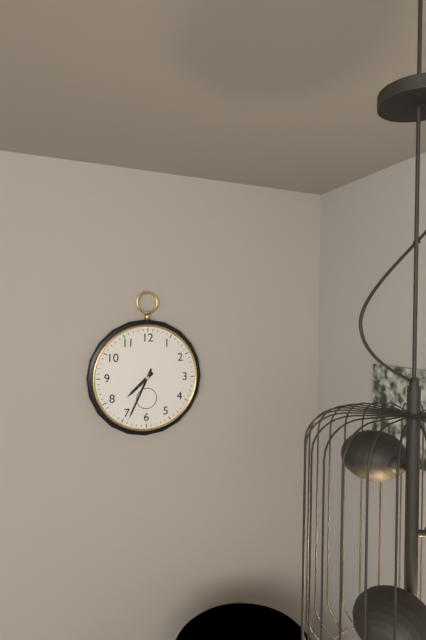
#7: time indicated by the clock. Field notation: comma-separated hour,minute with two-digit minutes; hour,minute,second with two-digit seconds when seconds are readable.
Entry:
7,34
